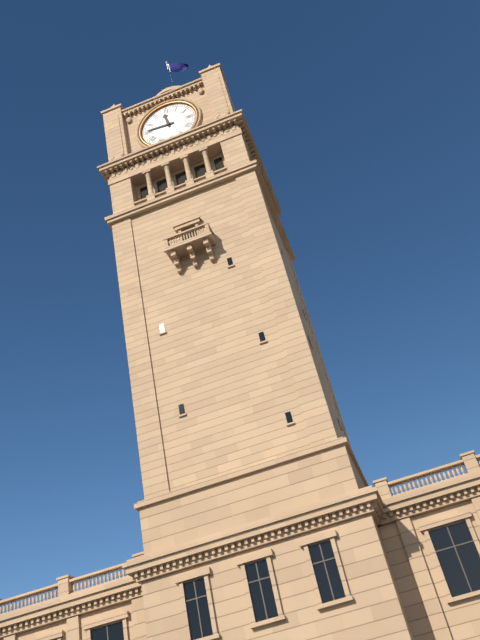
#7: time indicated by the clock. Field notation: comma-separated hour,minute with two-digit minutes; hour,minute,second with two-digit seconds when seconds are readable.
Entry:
11,46
